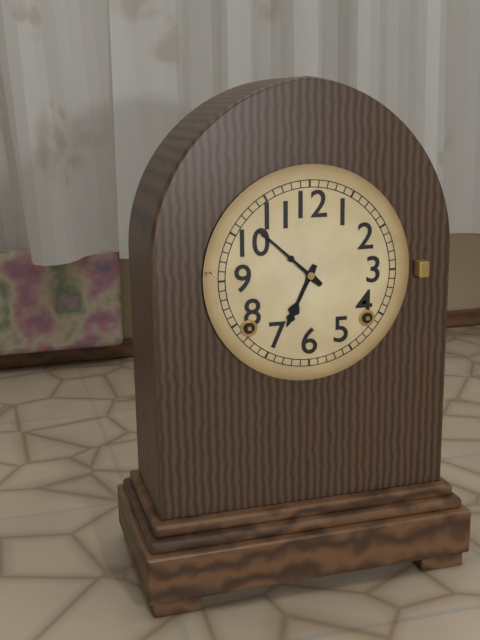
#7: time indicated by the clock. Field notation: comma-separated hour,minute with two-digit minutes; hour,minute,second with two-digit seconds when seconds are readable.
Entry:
6,52
